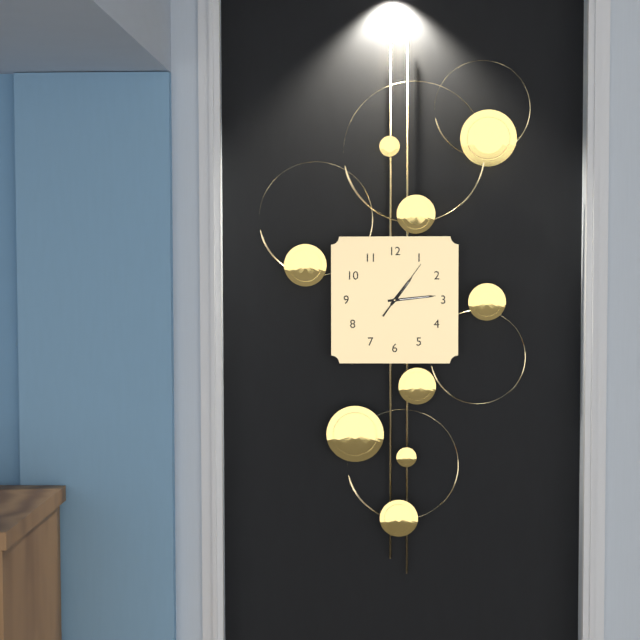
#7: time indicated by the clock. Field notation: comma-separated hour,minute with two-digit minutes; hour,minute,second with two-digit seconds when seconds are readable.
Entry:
1,14,06
